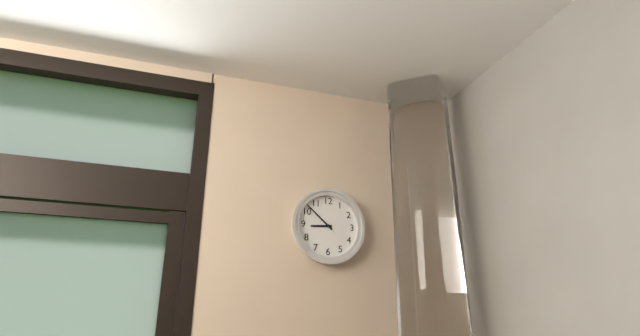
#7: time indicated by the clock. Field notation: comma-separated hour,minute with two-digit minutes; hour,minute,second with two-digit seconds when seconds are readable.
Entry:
8,52
